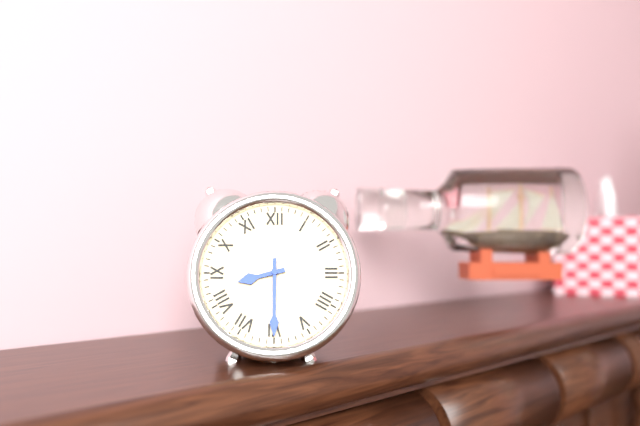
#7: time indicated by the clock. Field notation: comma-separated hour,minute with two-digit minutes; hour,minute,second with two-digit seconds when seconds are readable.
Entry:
8,30
